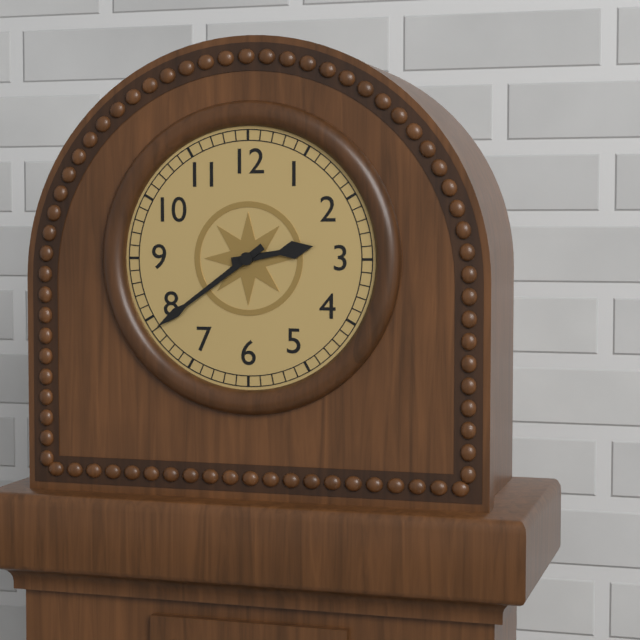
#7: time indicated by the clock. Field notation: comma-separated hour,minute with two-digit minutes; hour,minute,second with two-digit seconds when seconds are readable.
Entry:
2,39
